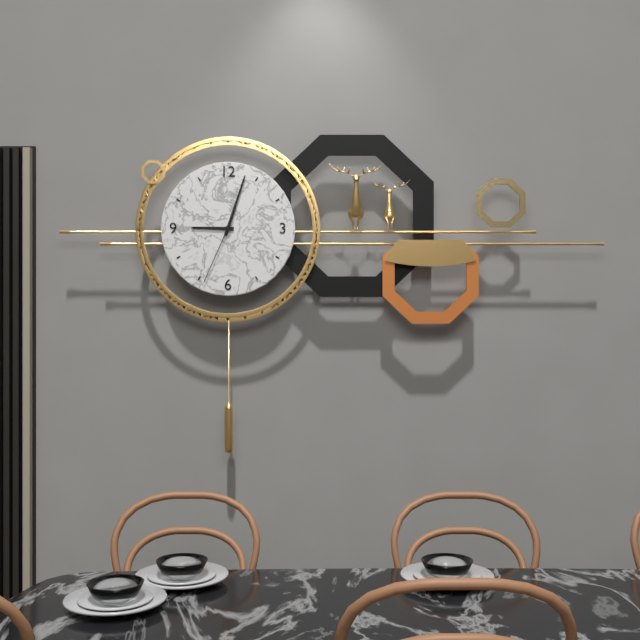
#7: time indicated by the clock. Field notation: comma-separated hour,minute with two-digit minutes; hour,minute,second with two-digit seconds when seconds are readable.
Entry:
9,03,34
